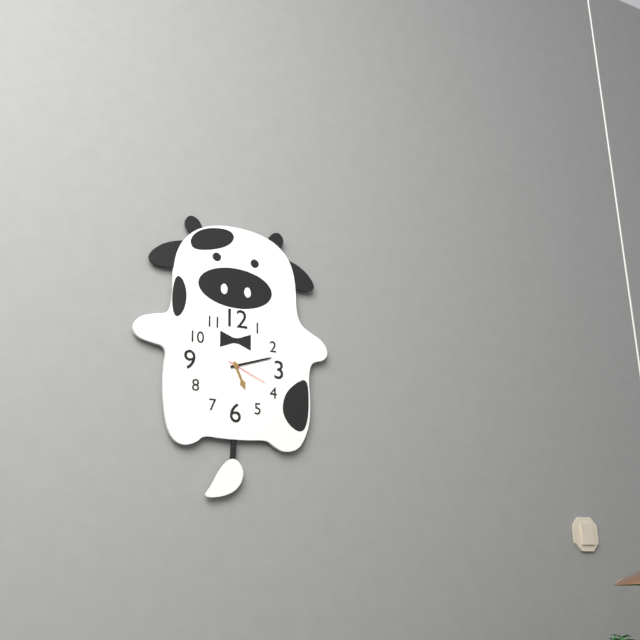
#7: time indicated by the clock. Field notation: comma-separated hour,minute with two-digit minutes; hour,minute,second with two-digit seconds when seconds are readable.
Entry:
5,12
